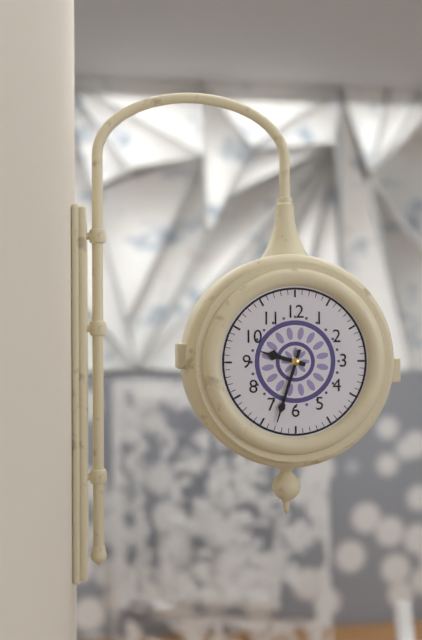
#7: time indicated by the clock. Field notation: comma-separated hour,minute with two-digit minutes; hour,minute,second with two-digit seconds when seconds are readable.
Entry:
9,33
